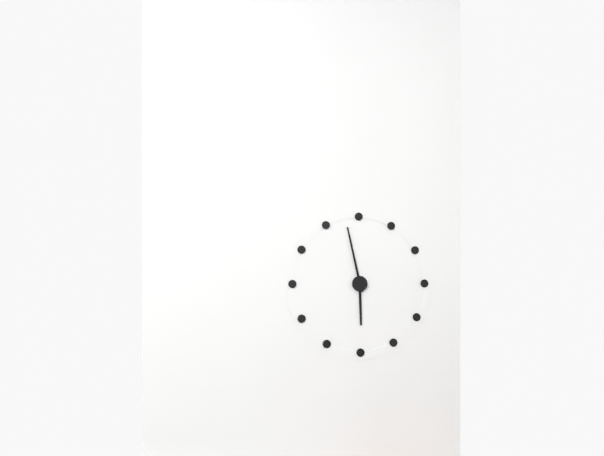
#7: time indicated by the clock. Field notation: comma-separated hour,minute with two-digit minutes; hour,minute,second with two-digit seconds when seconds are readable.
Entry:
5,58
